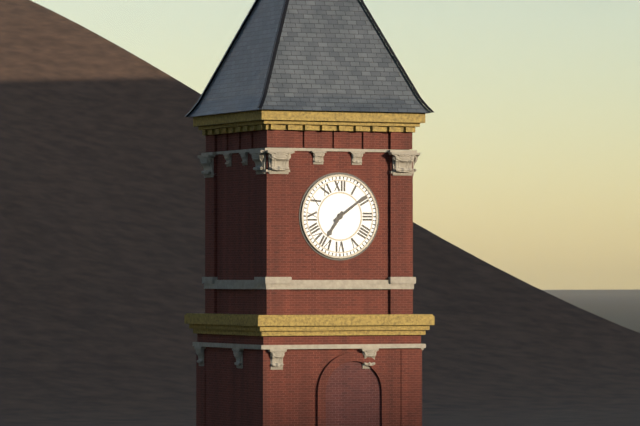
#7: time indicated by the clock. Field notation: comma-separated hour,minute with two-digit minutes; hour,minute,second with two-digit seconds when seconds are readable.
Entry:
7,09
